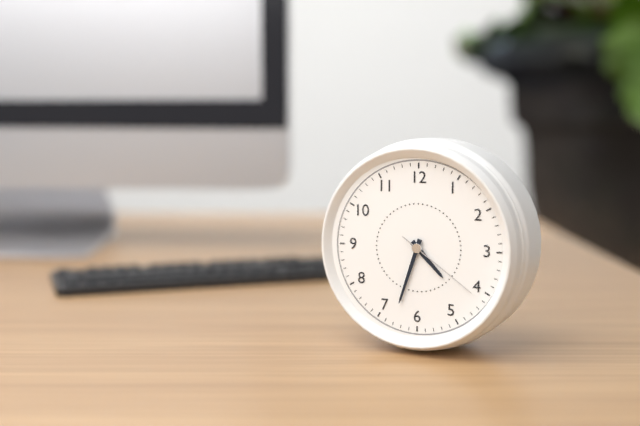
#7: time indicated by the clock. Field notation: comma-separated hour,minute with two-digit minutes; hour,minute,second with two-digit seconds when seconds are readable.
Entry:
4,33,21
